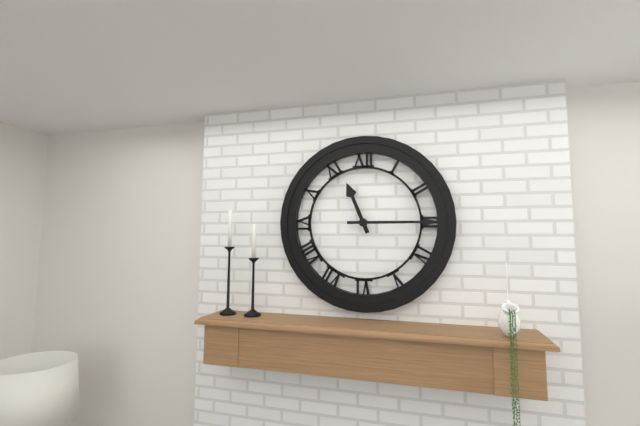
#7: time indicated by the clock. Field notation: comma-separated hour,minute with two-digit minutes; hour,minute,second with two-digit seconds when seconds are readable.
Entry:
11,15
